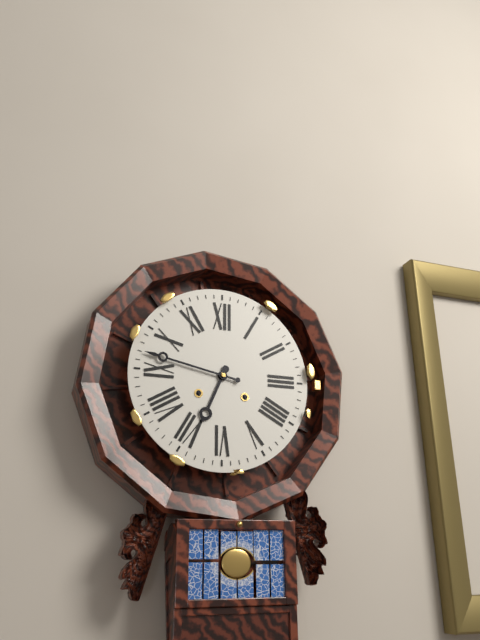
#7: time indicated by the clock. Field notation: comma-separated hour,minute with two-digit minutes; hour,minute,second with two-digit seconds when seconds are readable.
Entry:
6,47
